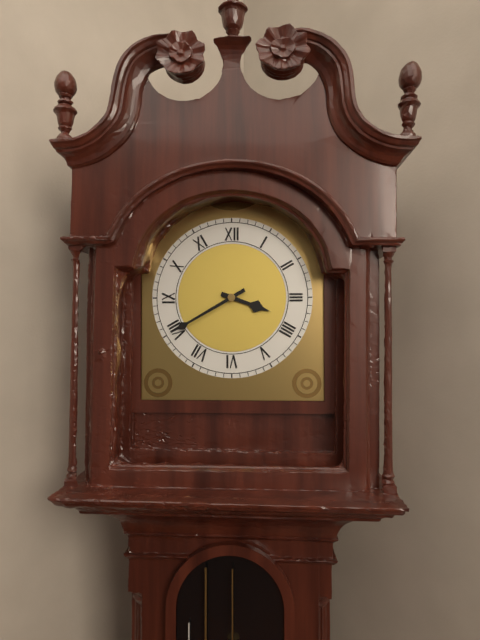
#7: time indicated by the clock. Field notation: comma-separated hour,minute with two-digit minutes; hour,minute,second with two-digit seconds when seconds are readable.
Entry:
3,40
